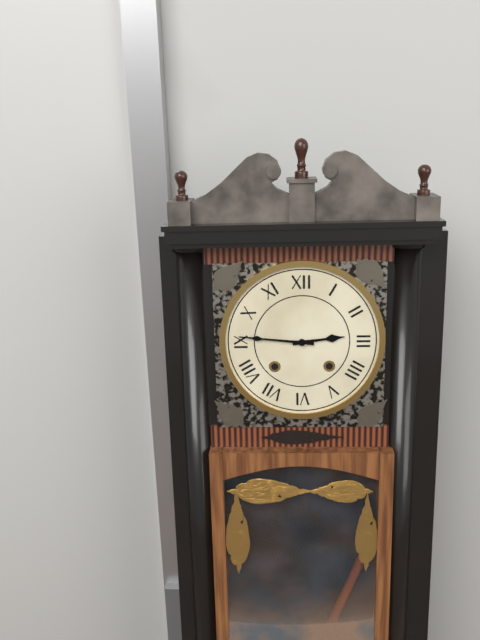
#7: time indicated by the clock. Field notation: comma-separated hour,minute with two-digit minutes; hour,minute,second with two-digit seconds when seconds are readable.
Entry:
2,46
